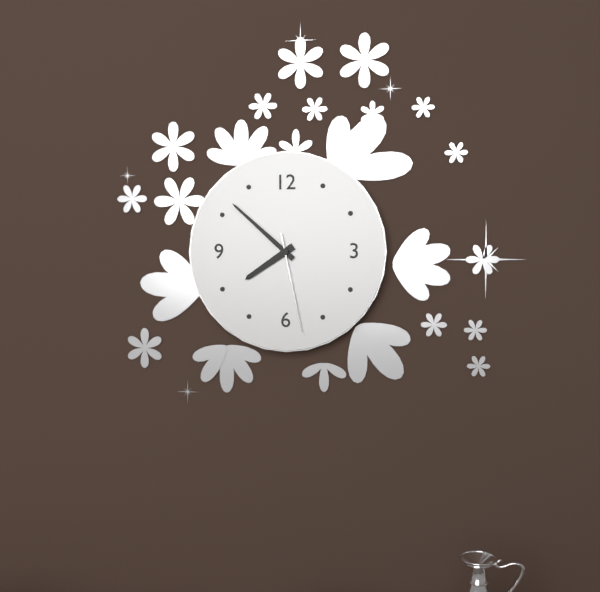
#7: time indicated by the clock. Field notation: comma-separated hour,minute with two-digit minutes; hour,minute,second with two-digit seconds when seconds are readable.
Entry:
7,52,28
